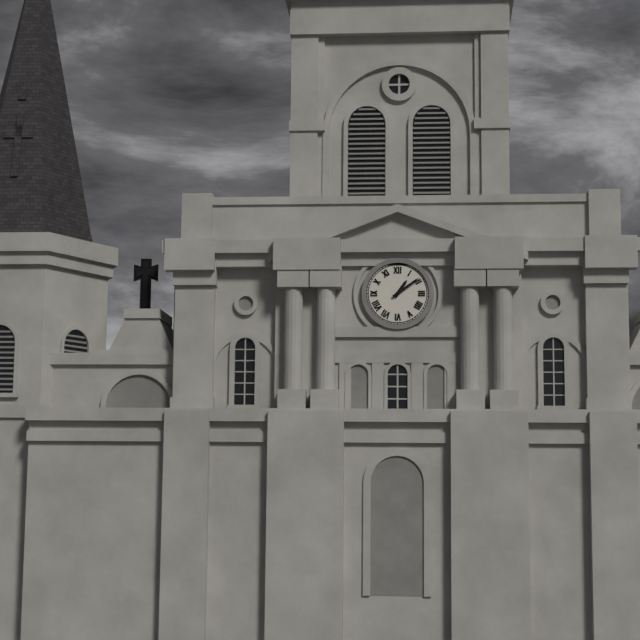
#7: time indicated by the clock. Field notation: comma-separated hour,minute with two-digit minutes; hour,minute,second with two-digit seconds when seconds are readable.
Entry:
1,09
